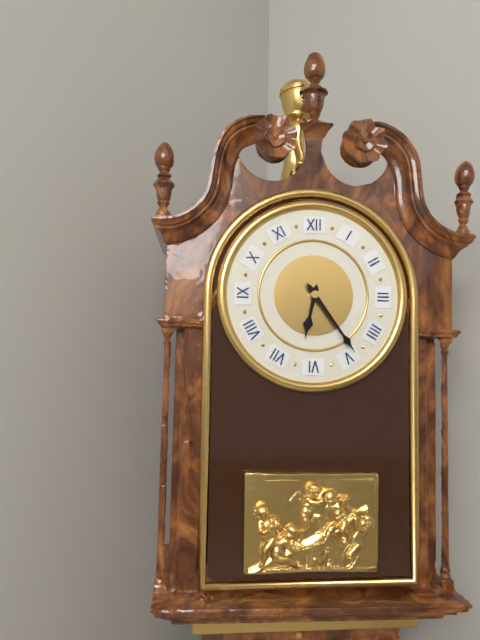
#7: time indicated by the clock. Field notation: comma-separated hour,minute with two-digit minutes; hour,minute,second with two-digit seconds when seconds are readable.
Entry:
6,24
